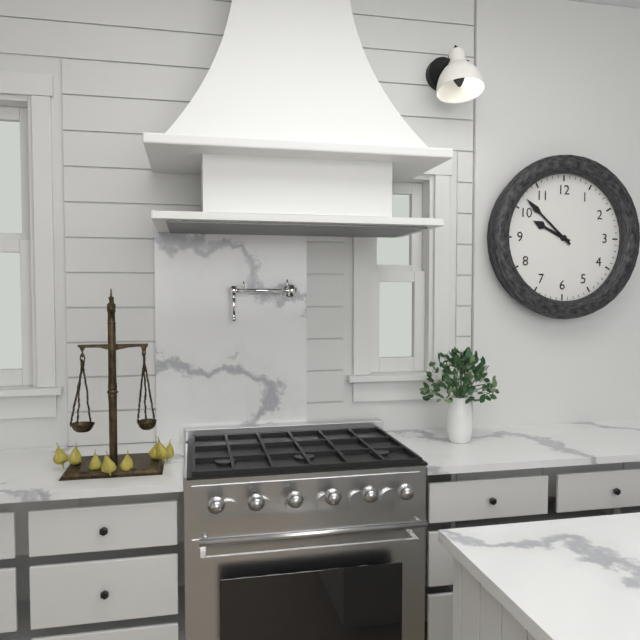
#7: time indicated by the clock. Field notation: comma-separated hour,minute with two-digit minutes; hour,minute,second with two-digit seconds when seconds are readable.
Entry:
9,52
